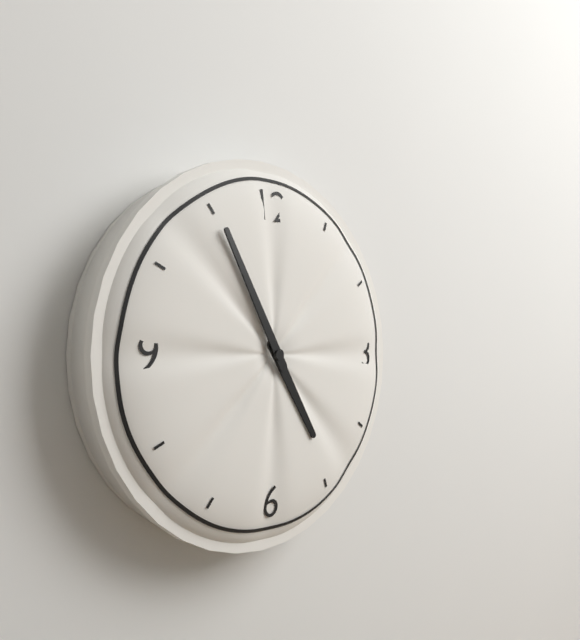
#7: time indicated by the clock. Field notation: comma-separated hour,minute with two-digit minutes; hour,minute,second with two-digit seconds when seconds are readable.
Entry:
4,55
